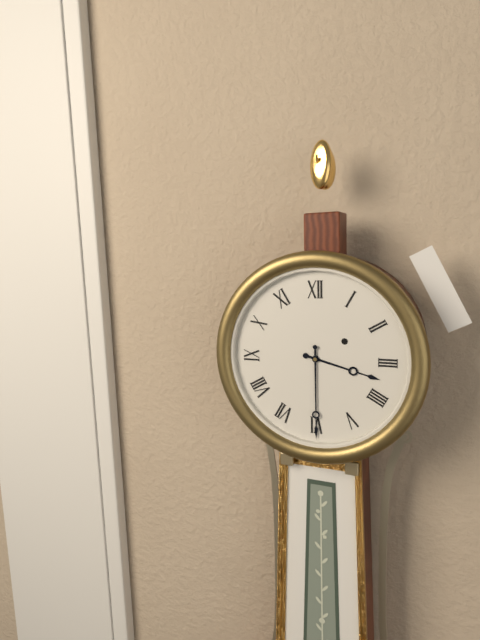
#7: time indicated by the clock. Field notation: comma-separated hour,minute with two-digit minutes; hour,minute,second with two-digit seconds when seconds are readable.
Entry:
3,30
